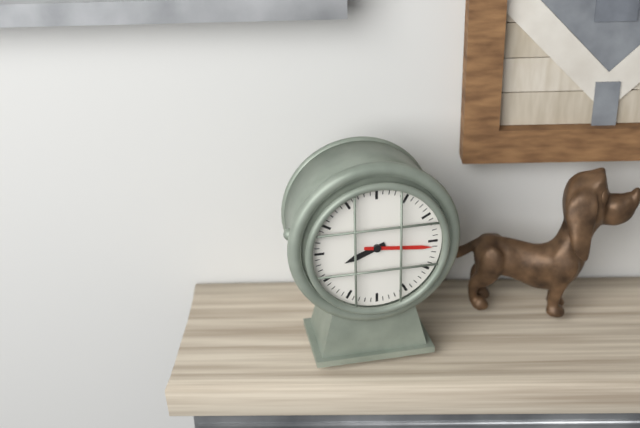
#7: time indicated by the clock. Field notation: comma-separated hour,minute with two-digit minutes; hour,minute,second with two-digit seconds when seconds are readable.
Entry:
8,16
